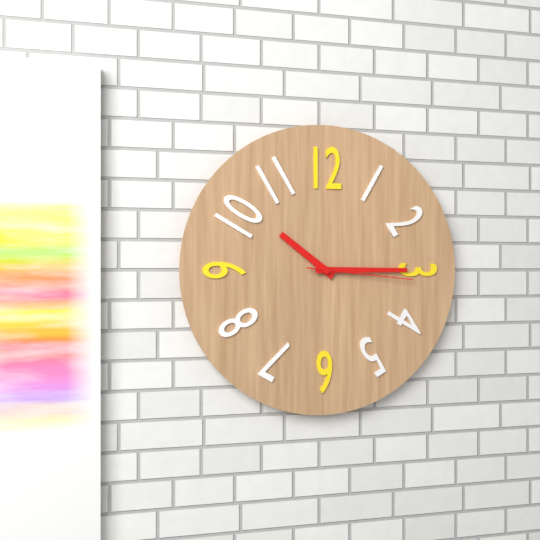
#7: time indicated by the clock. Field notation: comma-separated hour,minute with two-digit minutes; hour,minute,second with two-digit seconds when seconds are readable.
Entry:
10,15,16
